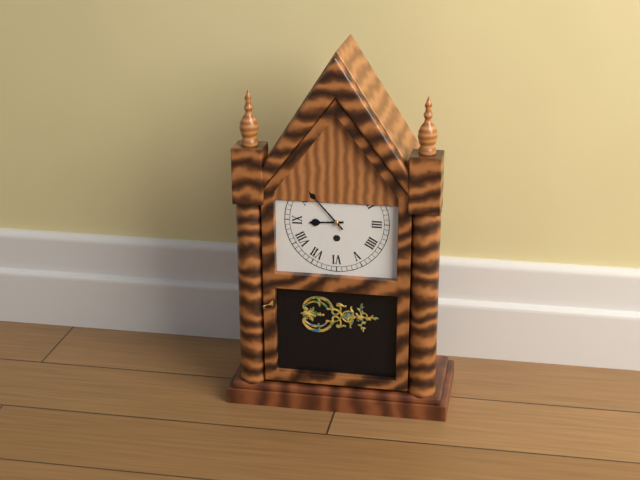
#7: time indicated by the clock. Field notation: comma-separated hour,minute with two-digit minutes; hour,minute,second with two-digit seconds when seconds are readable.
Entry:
8,53
